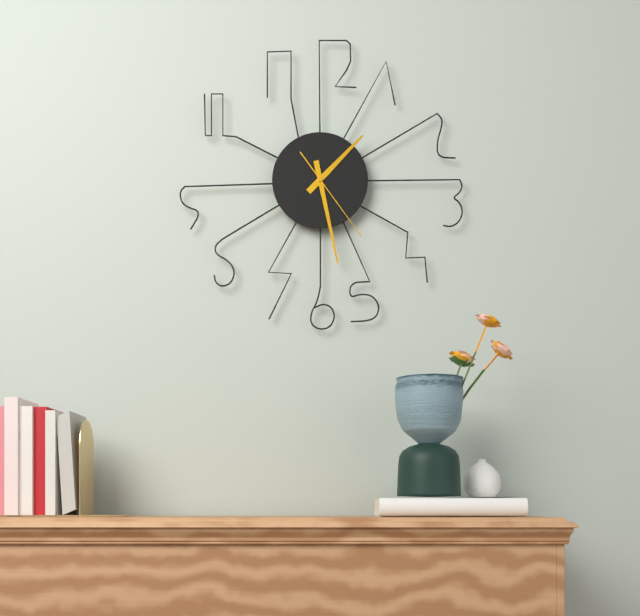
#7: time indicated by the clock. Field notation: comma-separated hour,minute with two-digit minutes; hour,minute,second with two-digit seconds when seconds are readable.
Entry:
1,28,24
